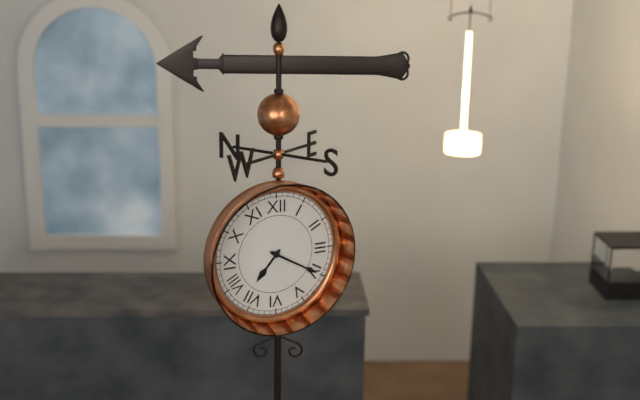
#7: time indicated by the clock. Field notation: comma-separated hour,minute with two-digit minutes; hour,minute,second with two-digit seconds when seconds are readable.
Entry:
7,20
